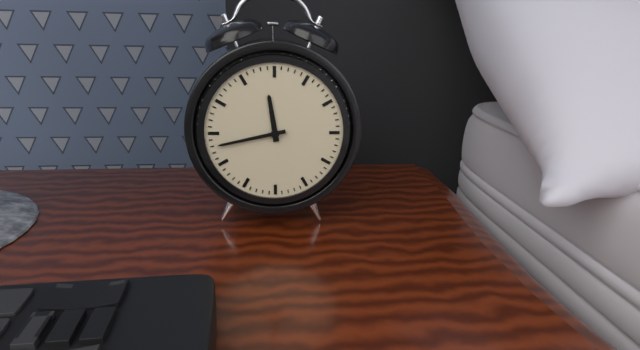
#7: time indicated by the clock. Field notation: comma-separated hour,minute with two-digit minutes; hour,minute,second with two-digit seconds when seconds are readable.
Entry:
11,43
